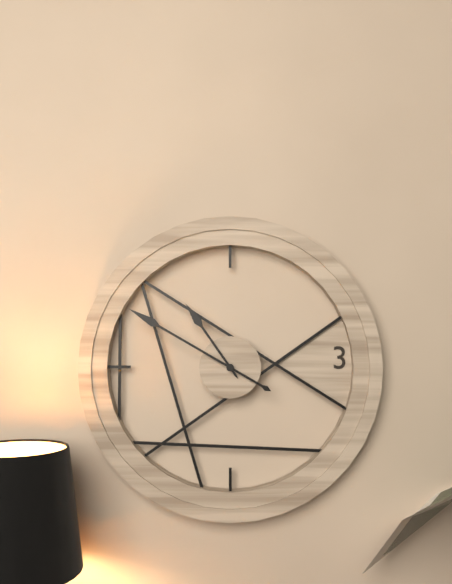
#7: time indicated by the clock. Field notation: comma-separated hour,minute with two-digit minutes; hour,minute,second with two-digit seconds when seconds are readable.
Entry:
10,50
